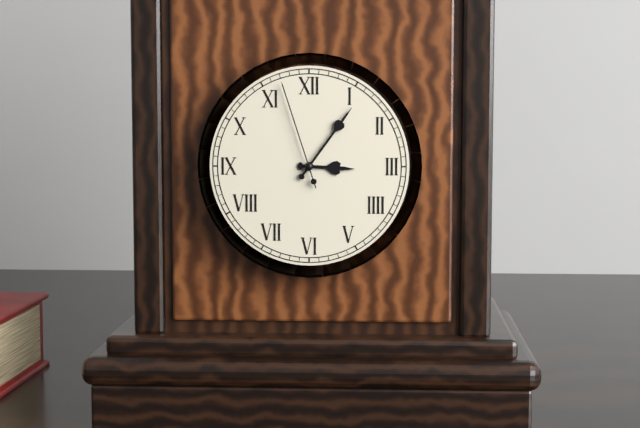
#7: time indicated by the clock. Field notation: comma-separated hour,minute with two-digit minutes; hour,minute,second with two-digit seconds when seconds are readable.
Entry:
3,06,57
